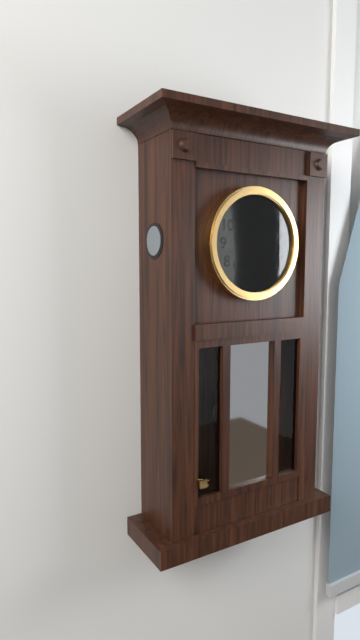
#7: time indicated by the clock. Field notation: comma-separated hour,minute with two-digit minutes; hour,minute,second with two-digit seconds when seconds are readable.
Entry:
11,56
